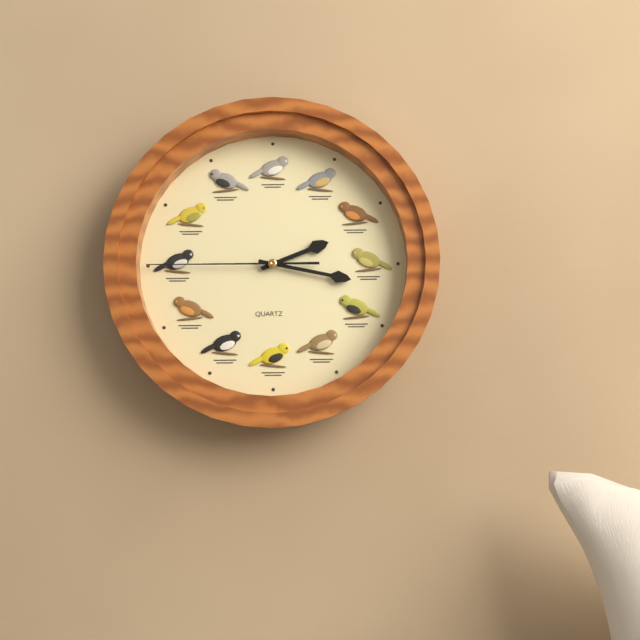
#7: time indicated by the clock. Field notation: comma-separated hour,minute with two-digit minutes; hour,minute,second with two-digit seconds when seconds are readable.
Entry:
2,17,45
